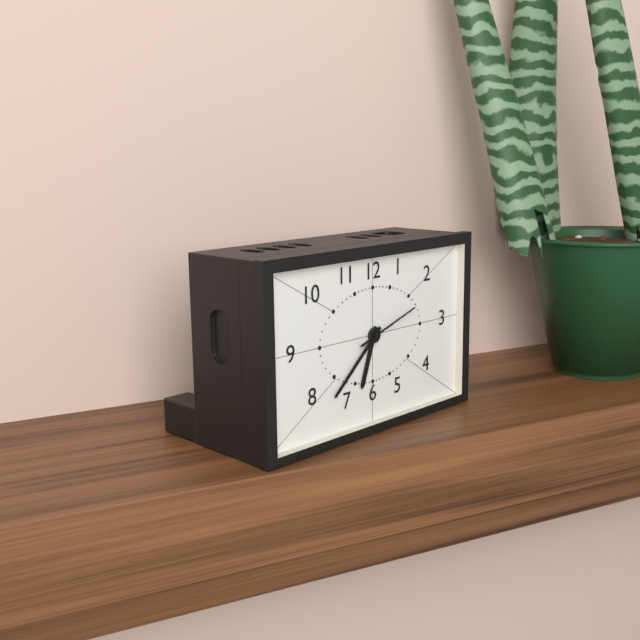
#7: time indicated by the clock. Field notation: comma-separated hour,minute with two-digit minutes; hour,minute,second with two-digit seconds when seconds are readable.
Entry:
6,38,12
